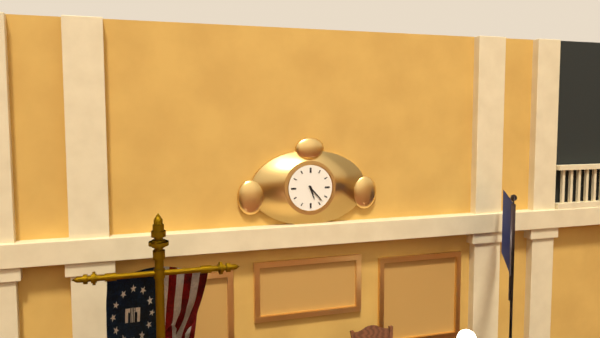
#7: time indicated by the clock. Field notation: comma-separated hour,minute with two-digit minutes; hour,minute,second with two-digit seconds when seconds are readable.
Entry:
5,23
